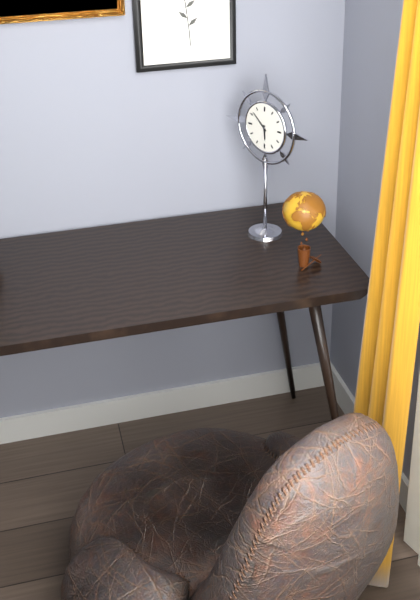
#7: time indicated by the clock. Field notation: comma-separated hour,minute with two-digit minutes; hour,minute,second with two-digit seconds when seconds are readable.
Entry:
5,52
